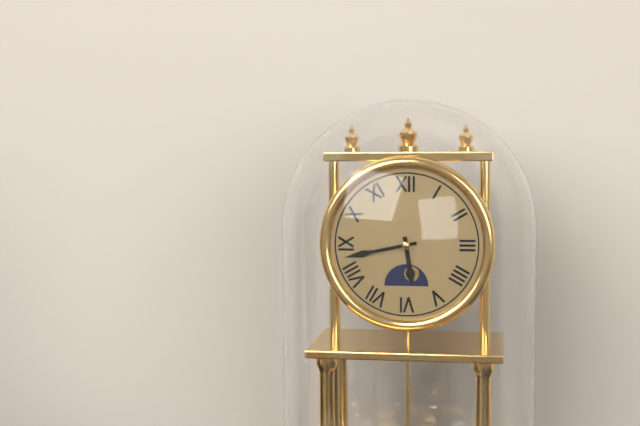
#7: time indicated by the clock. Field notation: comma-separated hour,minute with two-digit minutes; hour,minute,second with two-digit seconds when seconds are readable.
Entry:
5,43
